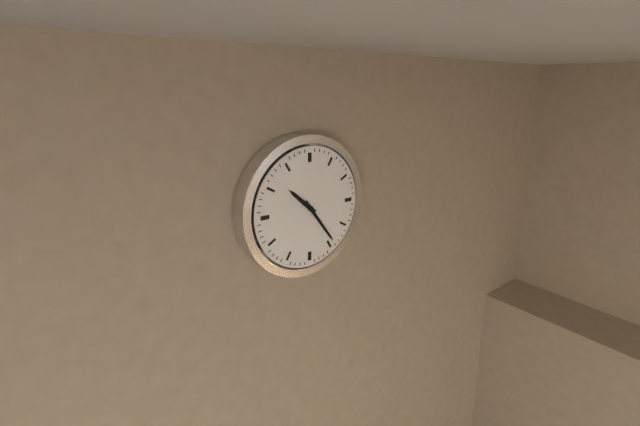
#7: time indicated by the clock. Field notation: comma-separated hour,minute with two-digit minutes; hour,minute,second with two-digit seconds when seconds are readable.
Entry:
10,24
